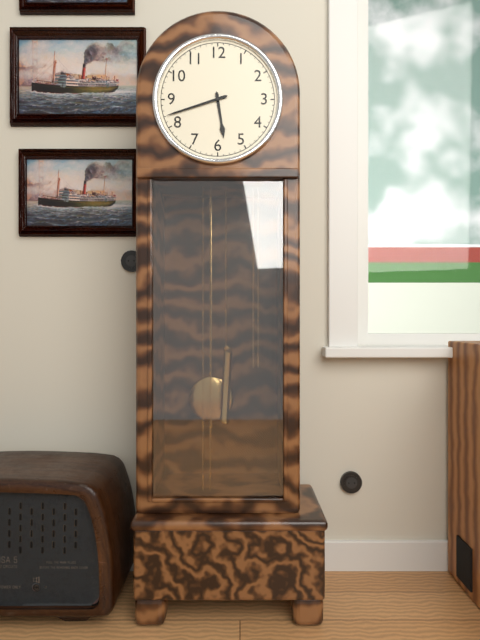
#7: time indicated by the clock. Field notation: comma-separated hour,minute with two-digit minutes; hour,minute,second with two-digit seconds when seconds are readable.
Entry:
5,42
